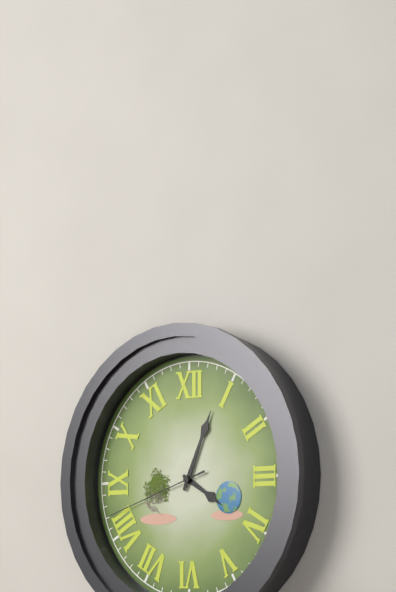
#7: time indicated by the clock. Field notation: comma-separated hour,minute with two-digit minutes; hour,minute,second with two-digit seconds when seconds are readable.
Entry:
4,04,42
